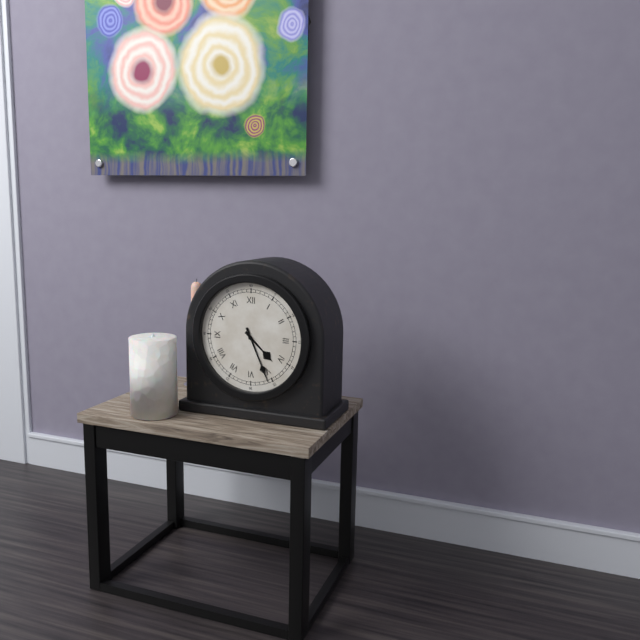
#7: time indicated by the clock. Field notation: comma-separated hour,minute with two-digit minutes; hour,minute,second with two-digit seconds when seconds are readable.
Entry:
4,26
